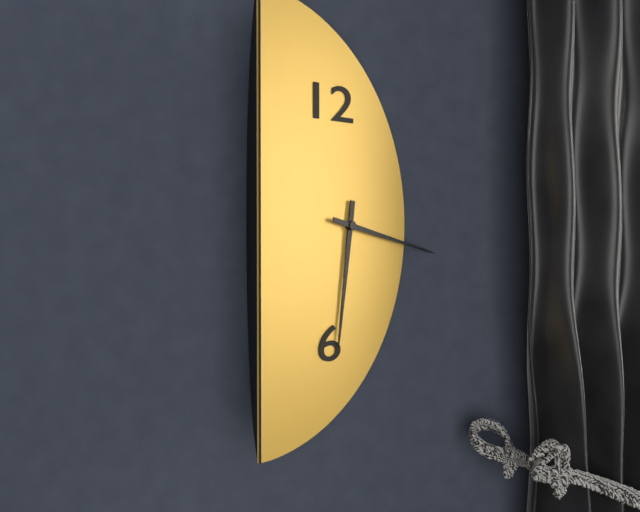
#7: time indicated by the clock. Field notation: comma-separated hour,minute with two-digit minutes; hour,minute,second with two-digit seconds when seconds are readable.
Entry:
6,17
